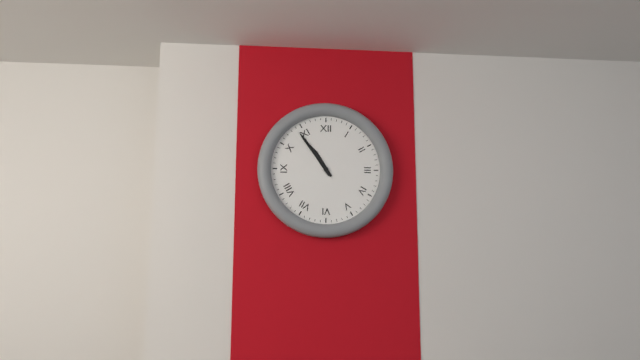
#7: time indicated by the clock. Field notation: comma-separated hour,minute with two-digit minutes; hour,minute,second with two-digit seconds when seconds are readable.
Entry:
10,54
